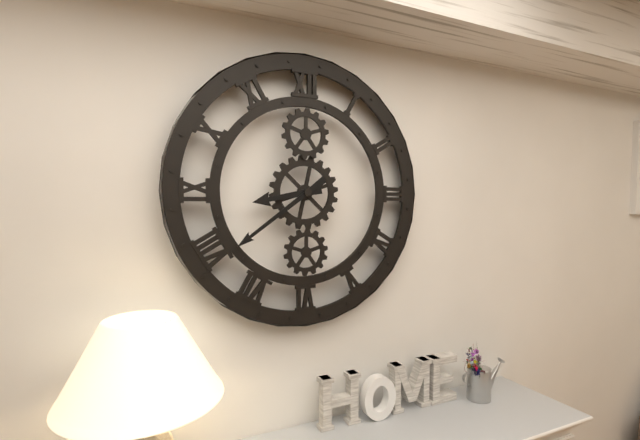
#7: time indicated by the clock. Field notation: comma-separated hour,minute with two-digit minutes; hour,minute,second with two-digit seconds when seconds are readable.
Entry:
8,39
